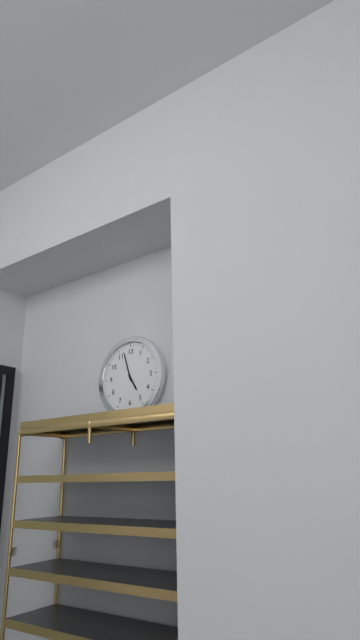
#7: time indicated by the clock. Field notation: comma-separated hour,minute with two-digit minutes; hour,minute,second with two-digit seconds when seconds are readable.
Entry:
4,57
